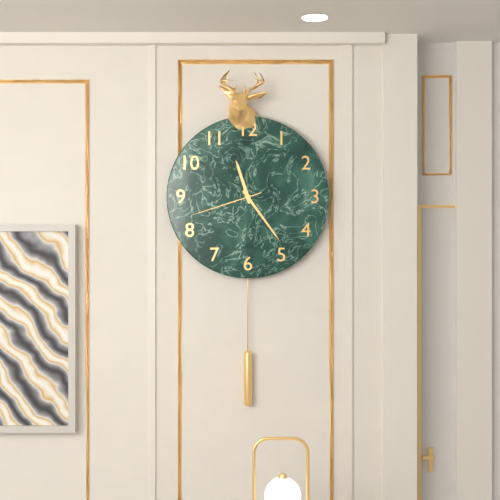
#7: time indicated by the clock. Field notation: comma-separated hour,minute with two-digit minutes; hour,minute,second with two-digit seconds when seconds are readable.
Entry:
11,24,42
